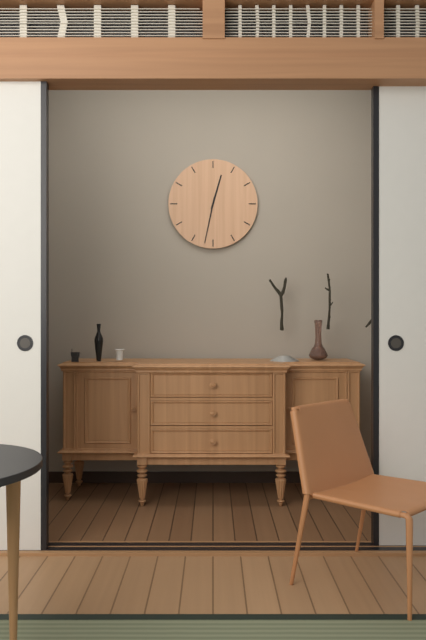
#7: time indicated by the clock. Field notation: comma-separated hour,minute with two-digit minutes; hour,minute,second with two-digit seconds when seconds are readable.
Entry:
12,32
